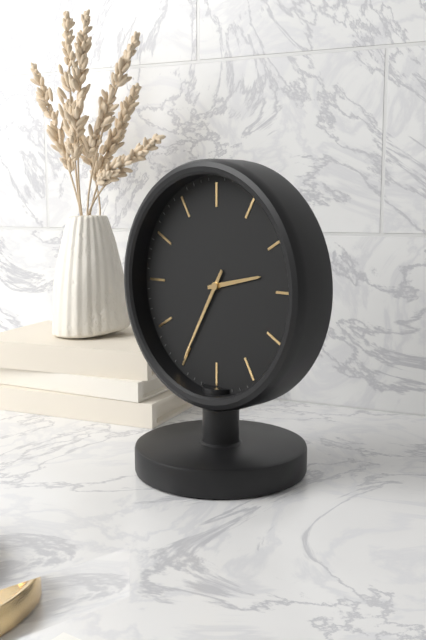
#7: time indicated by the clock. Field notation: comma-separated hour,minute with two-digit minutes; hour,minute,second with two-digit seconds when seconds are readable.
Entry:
2,35
